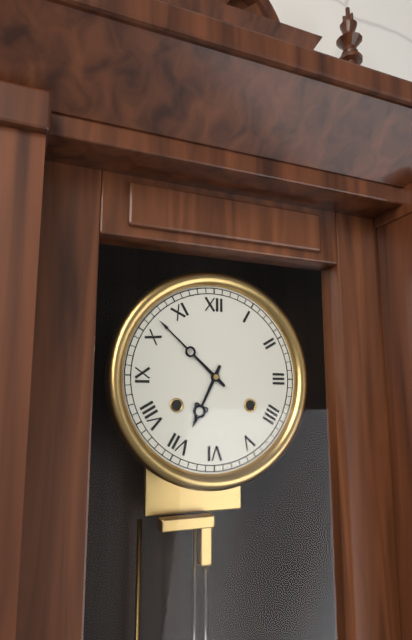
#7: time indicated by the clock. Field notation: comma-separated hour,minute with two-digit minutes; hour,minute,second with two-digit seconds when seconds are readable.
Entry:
6,52
